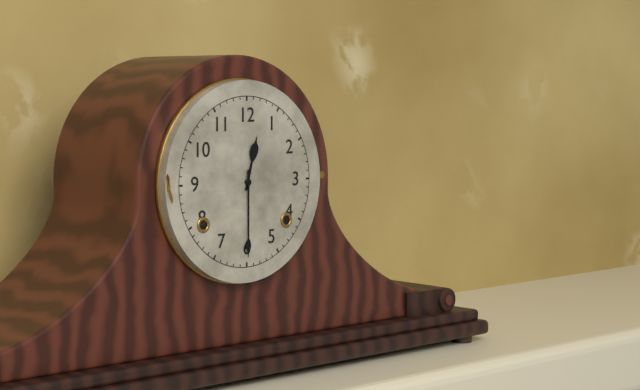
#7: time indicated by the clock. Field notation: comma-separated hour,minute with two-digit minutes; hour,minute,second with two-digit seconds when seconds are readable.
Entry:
12,30
